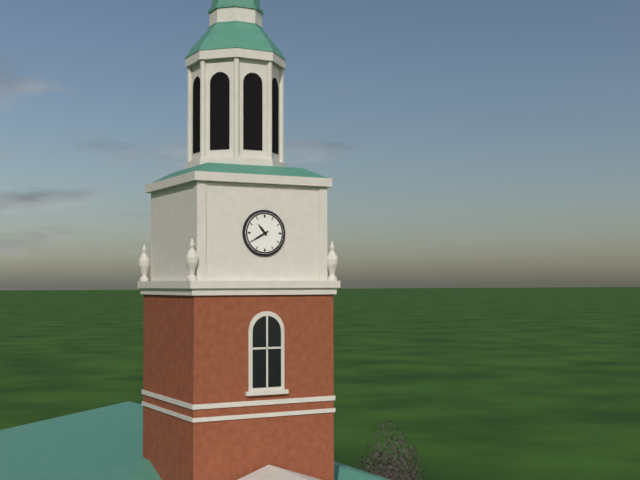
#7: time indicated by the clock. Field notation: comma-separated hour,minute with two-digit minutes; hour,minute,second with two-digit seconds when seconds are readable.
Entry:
10,40
